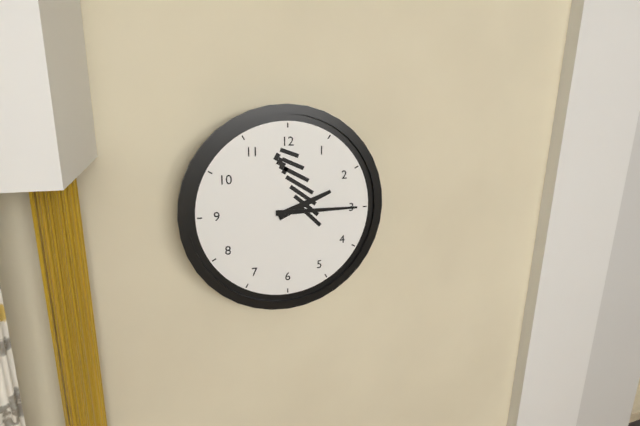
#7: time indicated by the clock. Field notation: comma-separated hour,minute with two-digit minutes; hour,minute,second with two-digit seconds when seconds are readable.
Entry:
2,15
